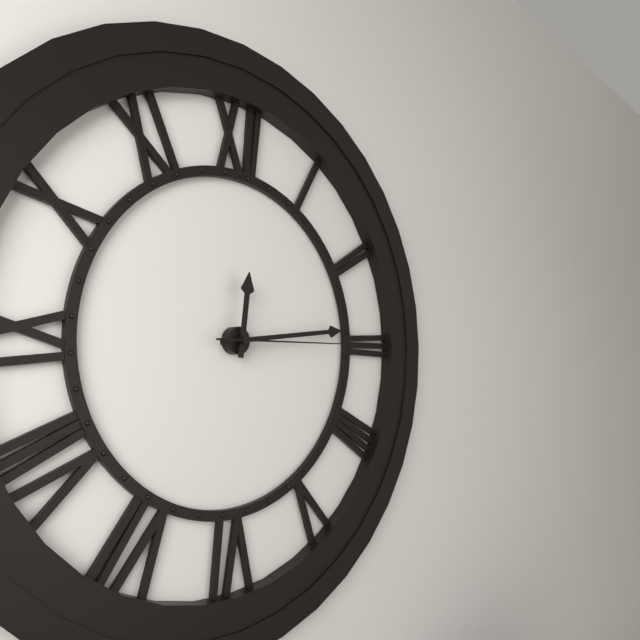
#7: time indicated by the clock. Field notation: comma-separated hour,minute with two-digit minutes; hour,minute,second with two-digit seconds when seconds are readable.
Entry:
12,14,15
